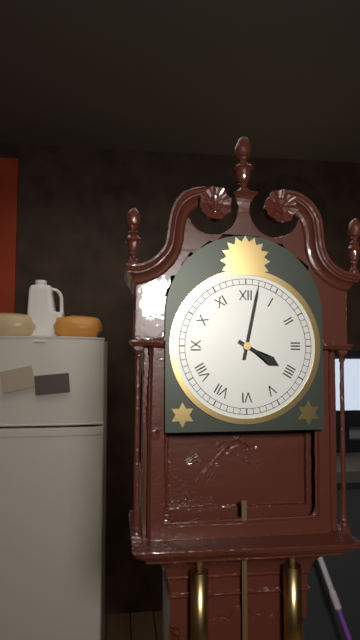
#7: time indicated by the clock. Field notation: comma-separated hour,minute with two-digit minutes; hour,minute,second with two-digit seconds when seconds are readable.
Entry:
4,02
